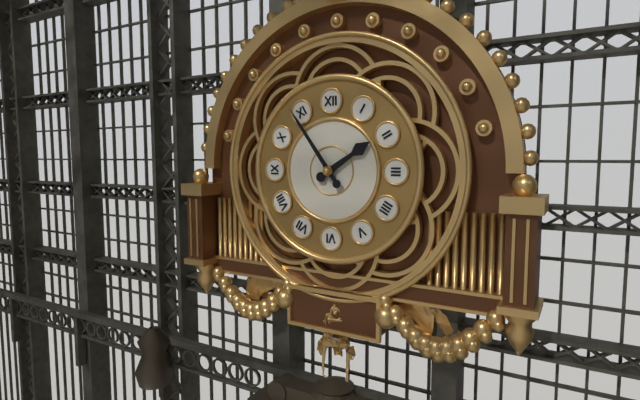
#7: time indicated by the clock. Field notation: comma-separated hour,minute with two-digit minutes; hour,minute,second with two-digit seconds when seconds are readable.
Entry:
1,54
